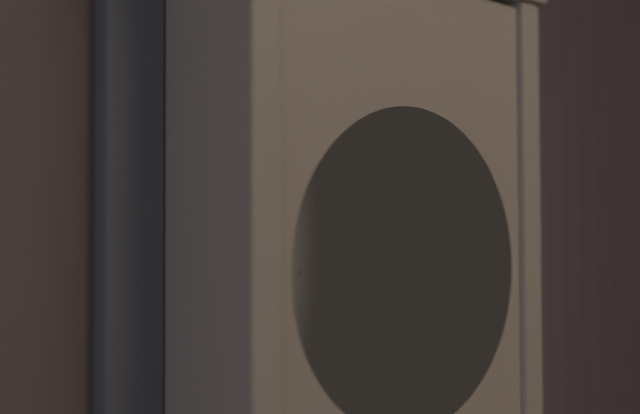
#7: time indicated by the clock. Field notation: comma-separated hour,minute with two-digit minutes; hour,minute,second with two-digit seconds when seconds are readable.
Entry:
6,02,40
